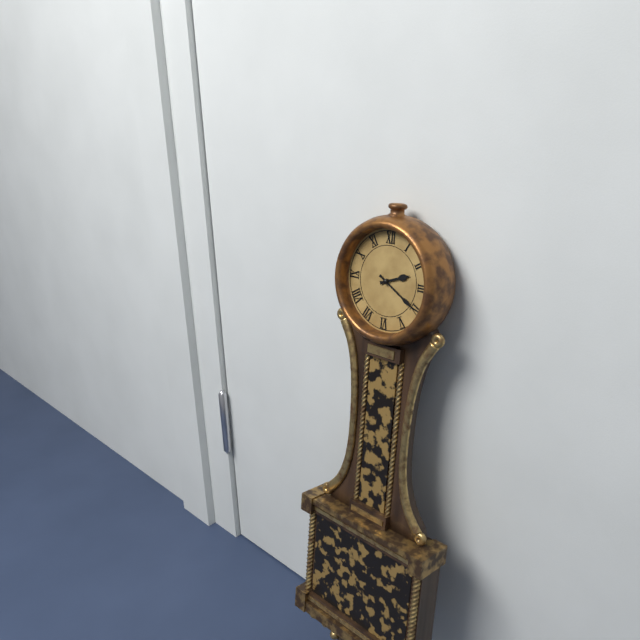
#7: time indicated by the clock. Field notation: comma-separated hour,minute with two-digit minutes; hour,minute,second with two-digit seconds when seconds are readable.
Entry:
2,20
